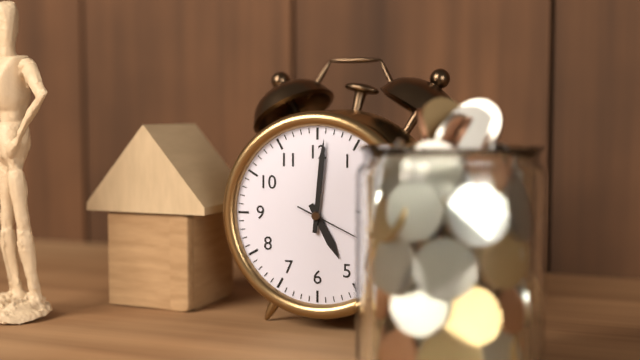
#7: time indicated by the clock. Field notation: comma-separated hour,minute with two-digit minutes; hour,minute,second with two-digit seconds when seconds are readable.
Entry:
5,01,19
